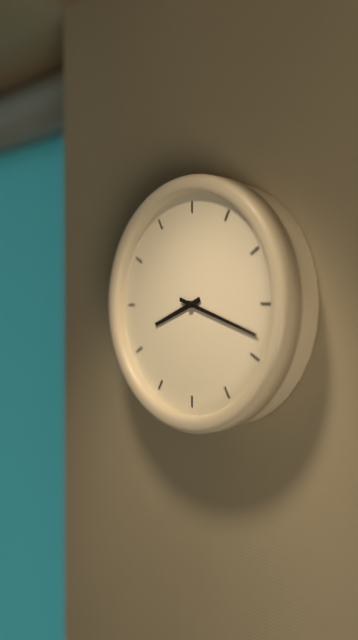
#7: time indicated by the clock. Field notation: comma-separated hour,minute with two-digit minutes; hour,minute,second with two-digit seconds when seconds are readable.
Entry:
8,18
